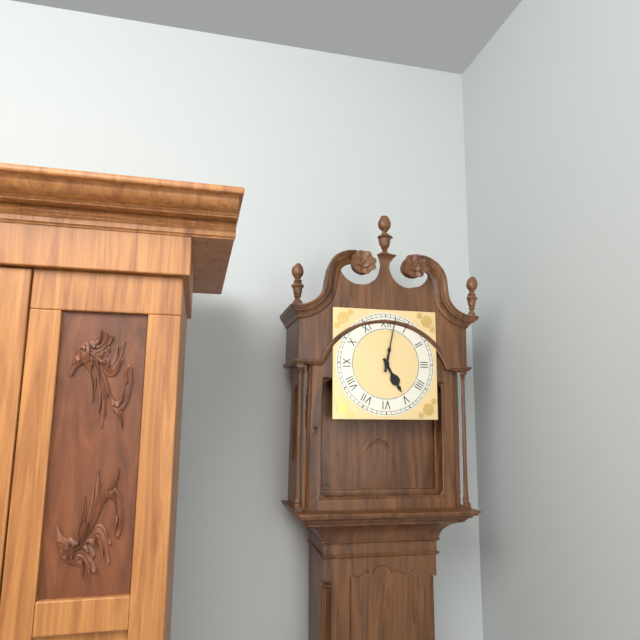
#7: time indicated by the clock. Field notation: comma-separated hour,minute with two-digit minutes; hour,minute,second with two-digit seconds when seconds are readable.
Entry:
5,02
